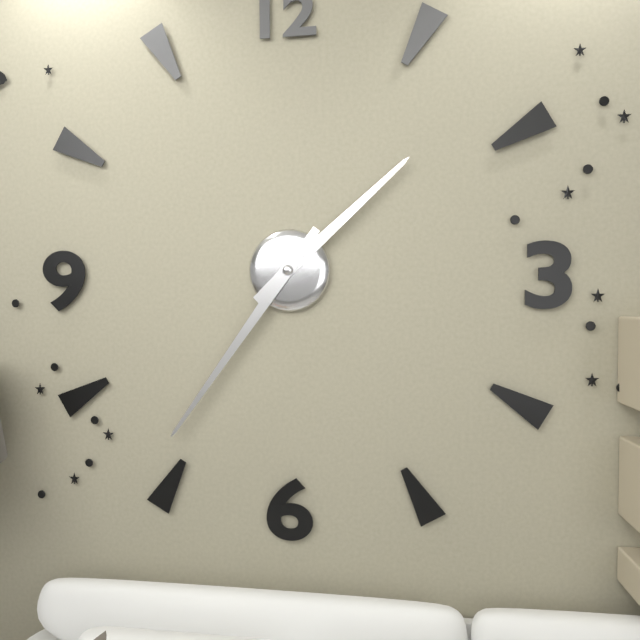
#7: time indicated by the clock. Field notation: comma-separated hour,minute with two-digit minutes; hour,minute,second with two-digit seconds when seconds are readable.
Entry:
1,36
